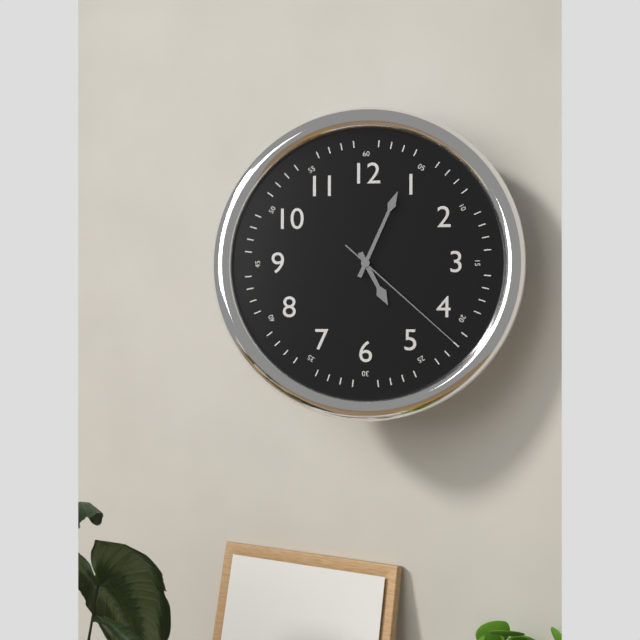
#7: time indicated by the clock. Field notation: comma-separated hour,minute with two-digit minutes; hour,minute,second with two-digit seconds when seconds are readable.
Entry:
5,04,22
